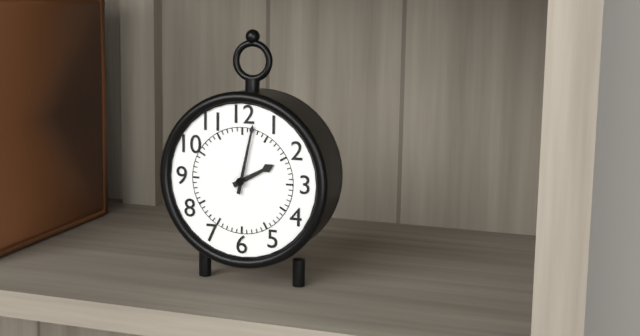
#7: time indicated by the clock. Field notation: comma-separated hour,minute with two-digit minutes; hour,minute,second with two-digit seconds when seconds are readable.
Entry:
2,02
